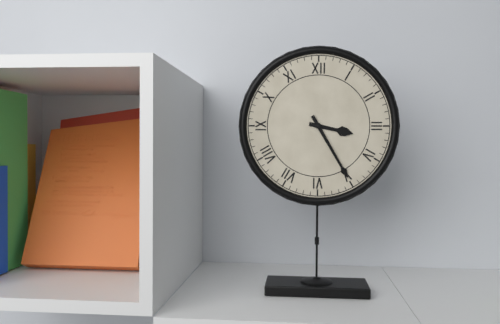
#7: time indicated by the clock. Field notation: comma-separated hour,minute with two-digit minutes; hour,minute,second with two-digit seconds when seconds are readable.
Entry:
3,25
